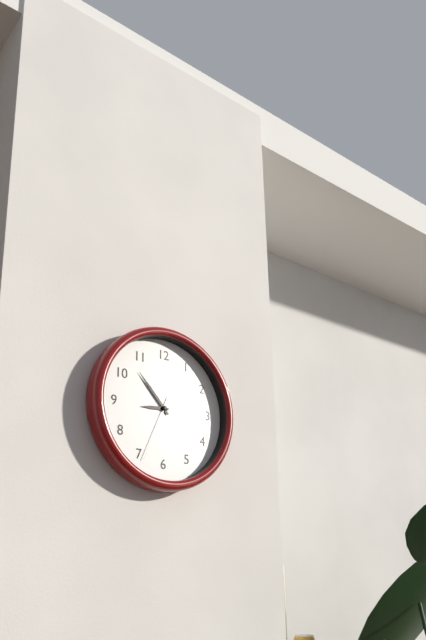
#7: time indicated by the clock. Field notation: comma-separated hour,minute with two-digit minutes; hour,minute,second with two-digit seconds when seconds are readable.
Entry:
8,53,34
